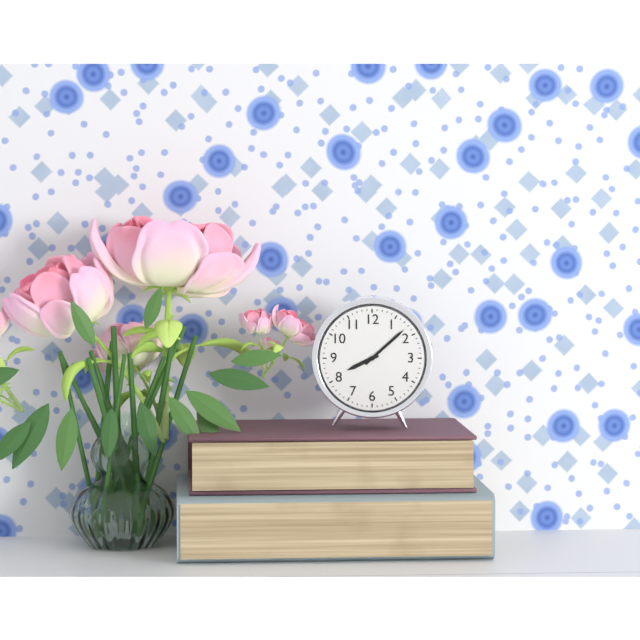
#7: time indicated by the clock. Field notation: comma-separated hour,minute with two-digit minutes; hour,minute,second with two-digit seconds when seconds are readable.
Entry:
8,08
